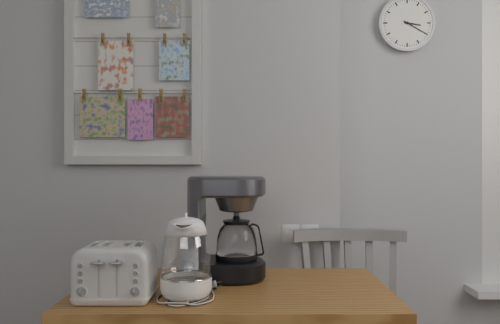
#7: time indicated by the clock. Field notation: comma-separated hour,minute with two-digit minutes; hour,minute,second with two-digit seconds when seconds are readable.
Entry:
3,20
